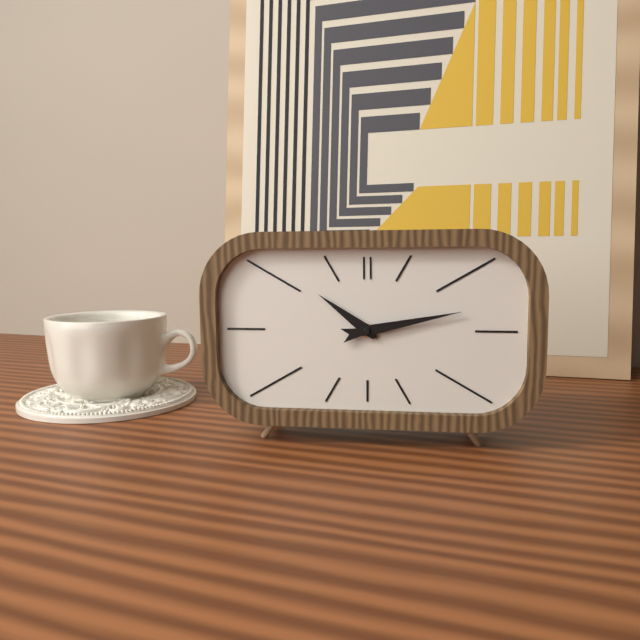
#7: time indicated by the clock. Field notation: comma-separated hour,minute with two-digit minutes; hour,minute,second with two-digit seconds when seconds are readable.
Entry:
10,13
